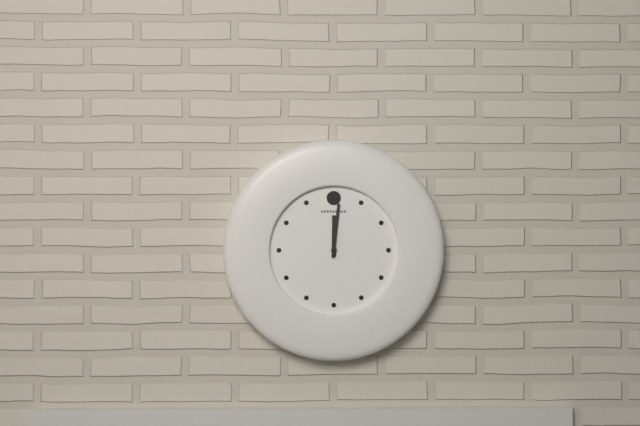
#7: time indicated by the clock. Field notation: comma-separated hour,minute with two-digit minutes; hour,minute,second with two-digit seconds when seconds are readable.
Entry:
12,01
